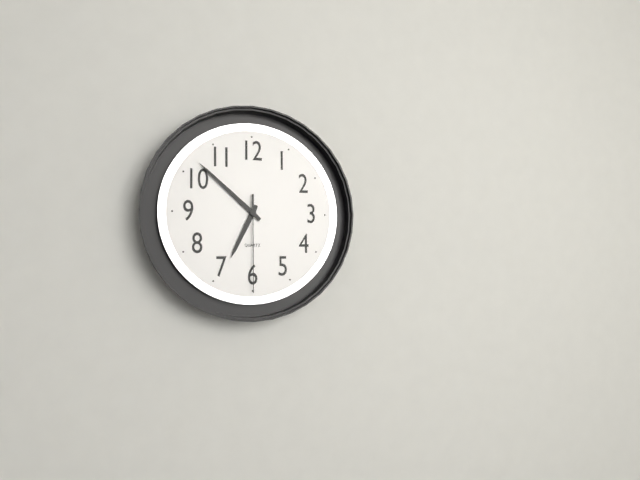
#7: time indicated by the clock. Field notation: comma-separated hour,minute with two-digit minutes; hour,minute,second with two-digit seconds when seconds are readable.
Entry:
6,52,30
